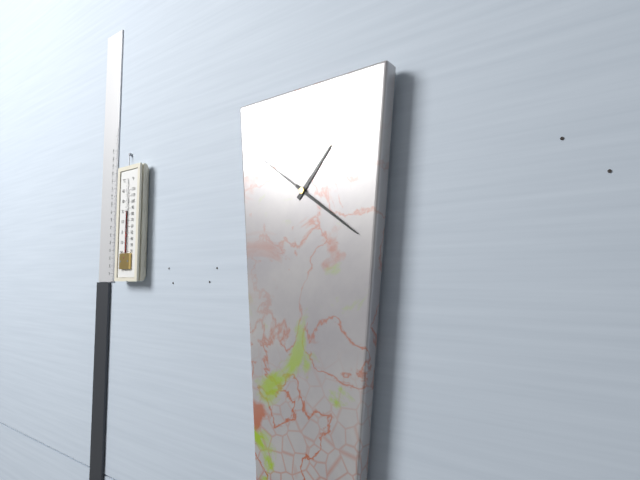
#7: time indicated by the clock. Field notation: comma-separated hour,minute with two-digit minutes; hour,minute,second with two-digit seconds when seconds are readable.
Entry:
1,21,51
